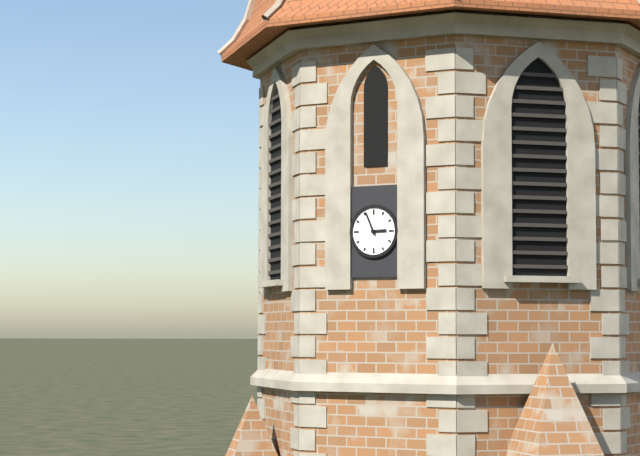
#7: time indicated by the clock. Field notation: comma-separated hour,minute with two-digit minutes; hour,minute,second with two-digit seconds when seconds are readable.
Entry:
2,56
